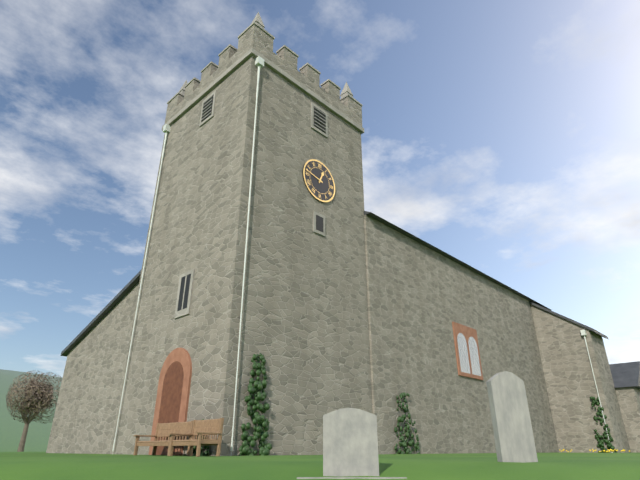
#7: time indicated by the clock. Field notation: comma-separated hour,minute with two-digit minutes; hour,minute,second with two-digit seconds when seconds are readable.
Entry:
12,47
